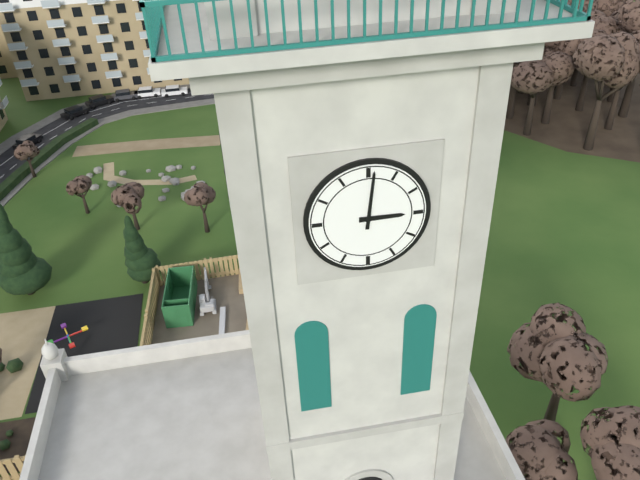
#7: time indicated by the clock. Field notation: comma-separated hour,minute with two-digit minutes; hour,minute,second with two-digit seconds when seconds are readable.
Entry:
3,01
